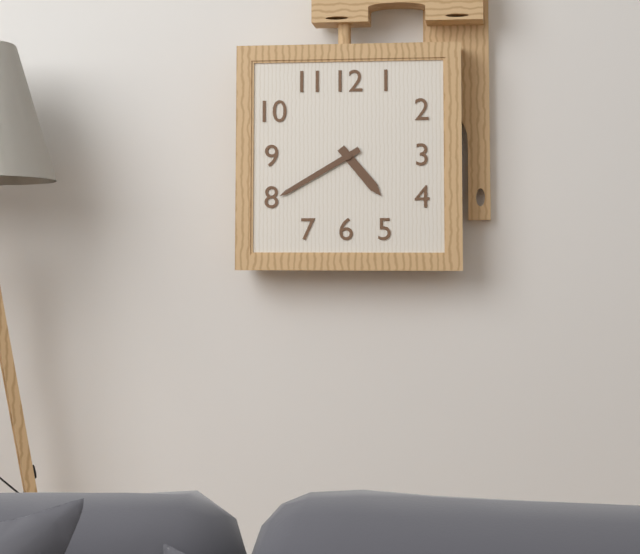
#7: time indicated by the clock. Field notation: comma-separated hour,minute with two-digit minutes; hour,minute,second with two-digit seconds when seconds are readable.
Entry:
4,40
